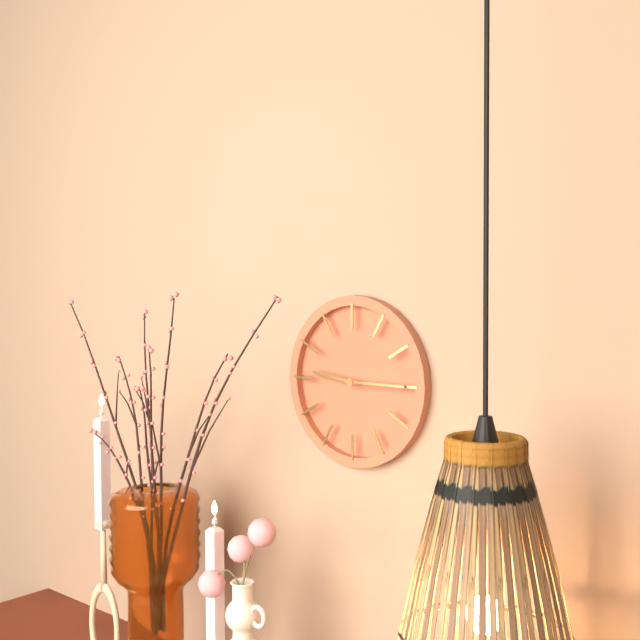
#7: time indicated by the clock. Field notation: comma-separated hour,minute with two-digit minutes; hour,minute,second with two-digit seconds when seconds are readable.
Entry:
9,15
